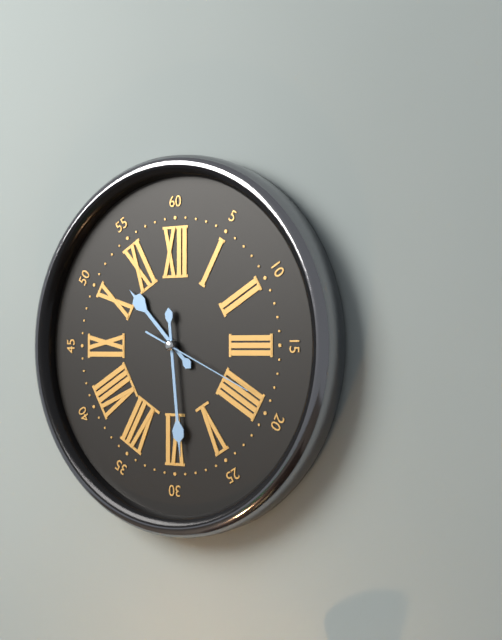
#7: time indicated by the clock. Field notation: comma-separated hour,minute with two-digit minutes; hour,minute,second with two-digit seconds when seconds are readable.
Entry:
10,29,19
